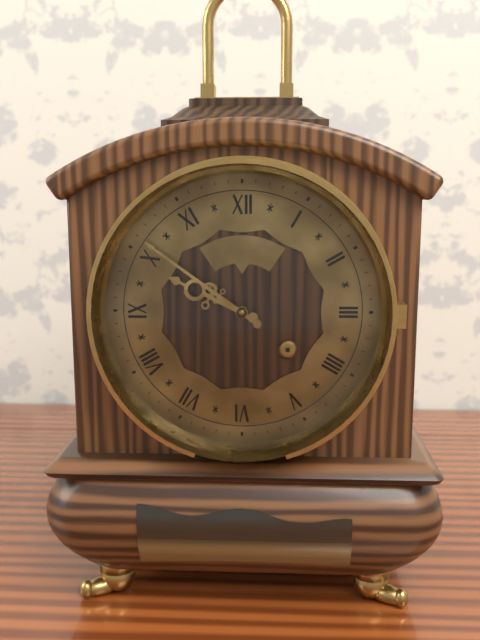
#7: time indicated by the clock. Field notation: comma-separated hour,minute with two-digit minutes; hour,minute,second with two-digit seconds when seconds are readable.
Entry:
9,51
